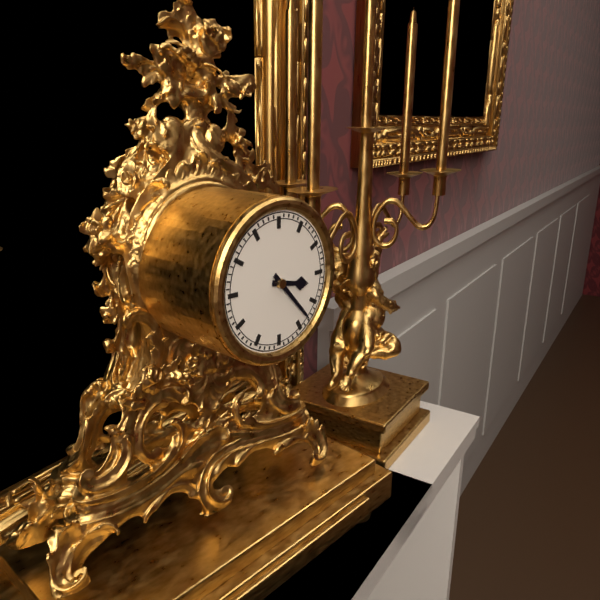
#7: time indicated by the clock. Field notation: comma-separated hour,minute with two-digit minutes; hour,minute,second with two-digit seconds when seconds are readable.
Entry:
3,23
